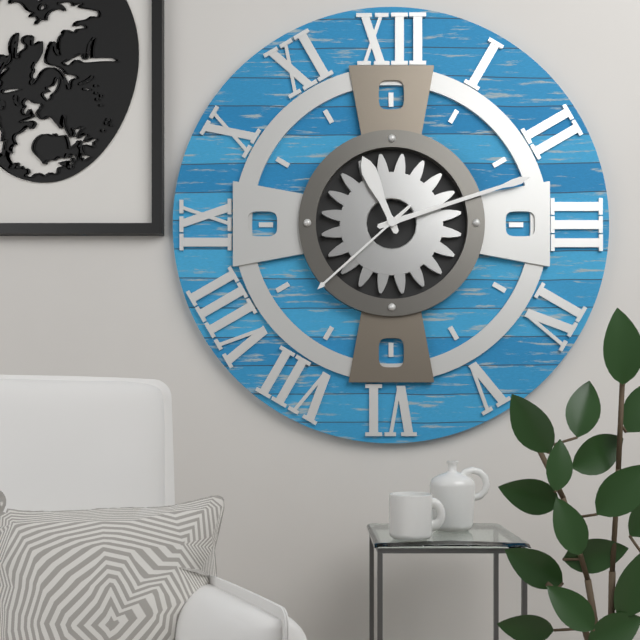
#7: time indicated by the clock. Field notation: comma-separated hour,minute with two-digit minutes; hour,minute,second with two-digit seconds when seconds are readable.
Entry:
11,12,38
